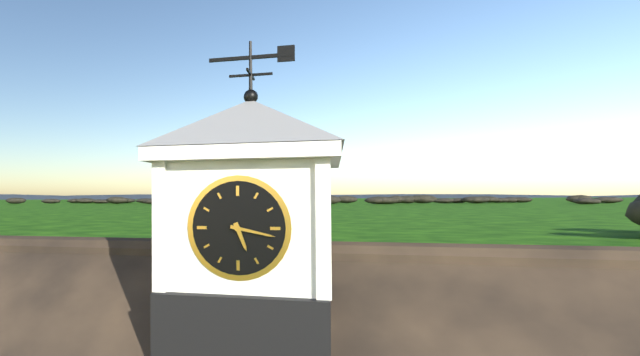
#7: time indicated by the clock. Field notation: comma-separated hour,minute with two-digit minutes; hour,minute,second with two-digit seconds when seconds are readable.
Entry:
5,17
